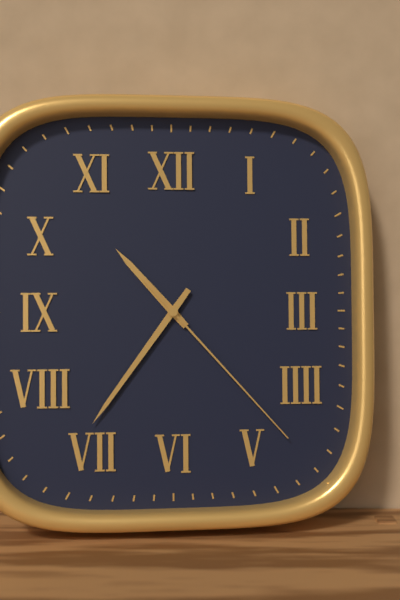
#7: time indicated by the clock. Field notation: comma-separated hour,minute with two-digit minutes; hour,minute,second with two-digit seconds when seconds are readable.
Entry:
10,36,23
